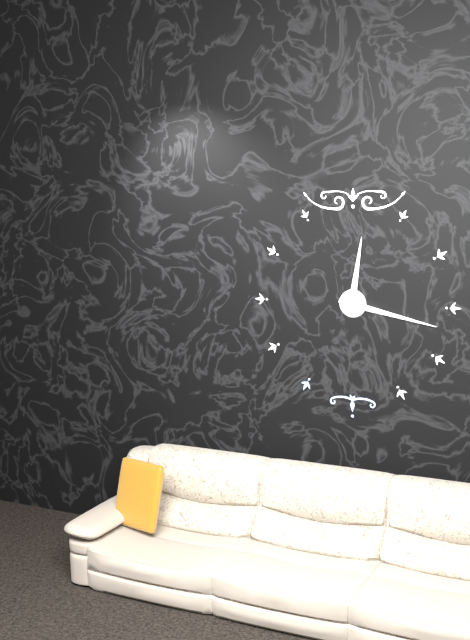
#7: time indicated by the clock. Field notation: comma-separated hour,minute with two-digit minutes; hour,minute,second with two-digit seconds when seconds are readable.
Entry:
12,17
